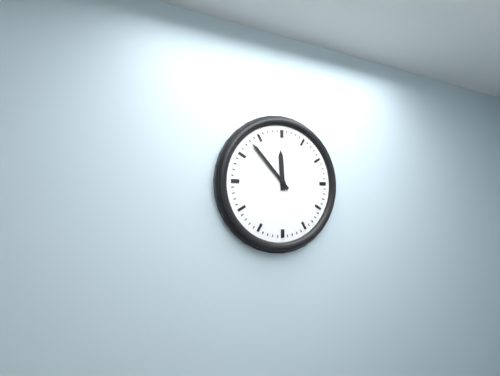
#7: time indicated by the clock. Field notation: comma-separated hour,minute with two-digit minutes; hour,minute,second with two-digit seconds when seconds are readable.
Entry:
11,53
